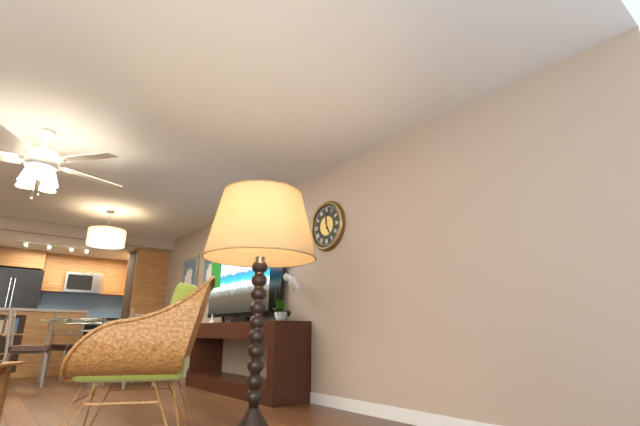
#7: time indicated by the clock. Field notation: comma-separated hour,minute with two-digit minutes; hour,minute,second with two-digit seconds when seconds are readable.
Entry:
5,00
